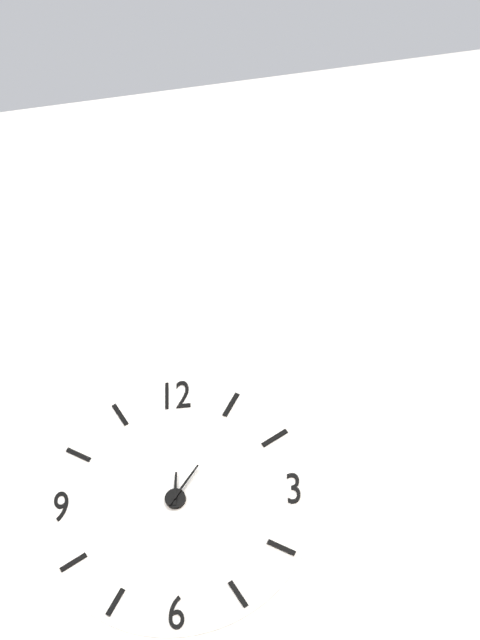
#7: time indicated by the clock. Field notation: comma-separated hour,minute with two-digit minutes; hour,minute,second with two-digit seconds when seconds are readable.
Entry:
12,06
